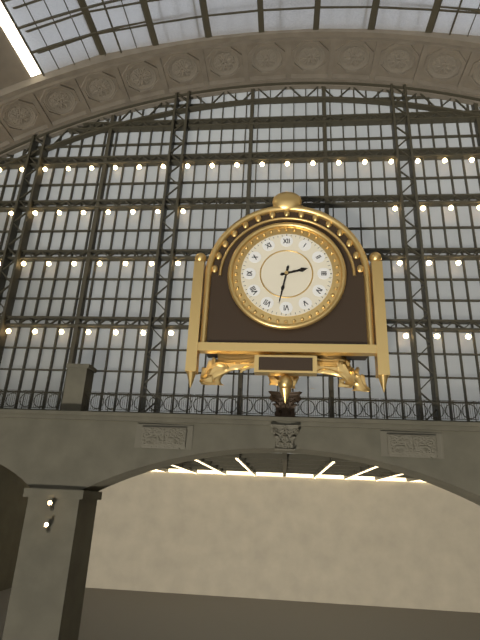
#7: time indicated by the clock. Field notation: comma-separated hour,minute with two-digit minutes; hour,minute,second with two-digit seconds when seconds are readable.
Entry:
2,32
